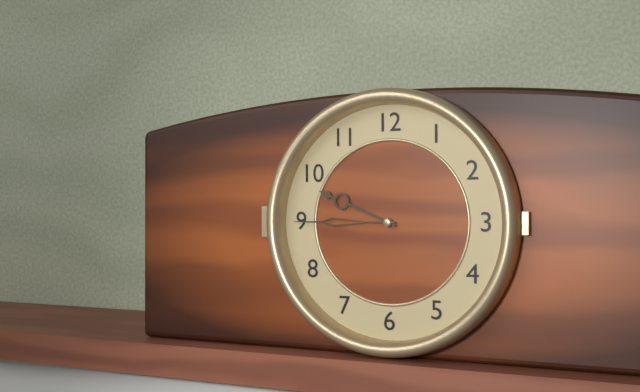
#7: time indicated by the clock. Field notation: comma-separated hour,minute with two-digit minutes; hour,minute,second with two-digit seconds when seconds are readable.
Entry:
9,45
